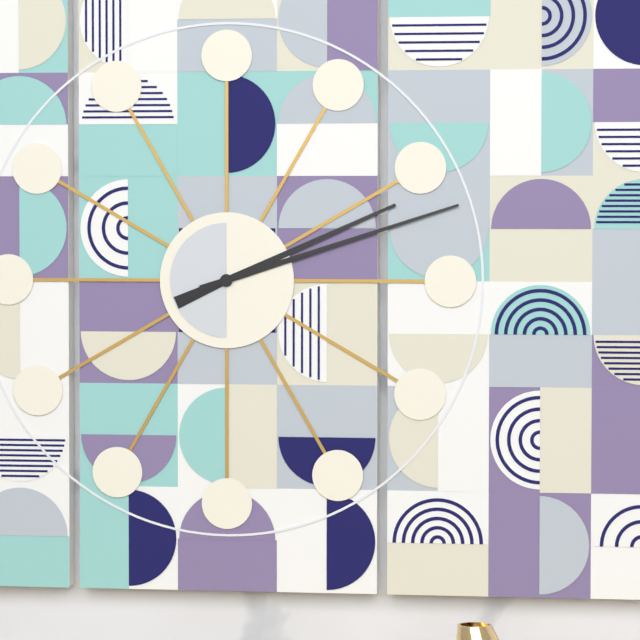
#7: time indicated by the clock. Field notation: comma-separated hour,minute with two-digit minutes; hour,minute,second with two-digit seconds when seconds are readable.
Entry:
2,12
